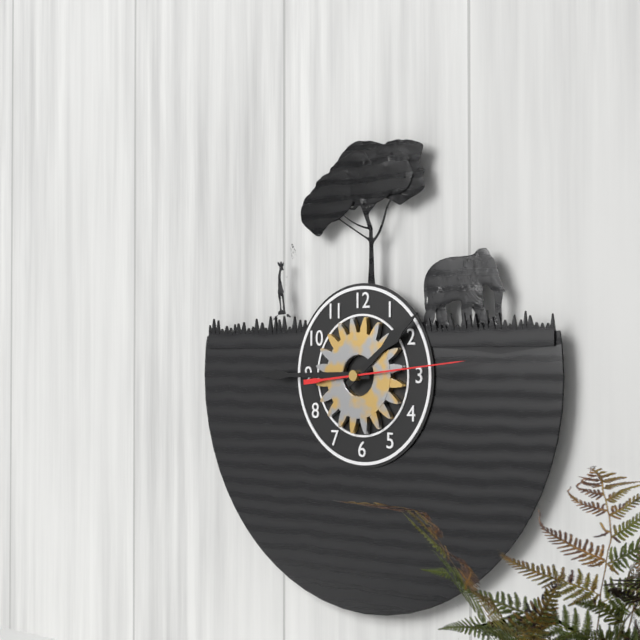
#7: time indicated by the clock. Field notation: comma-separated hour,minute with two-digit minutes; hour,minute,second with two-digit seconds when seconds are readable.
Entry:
1,45,14
